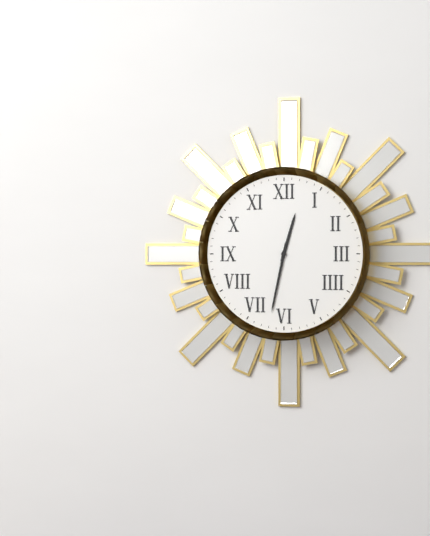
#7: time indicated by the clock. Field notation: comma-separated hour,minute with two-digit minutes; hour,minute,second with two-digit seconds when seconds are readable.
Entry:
12,32
